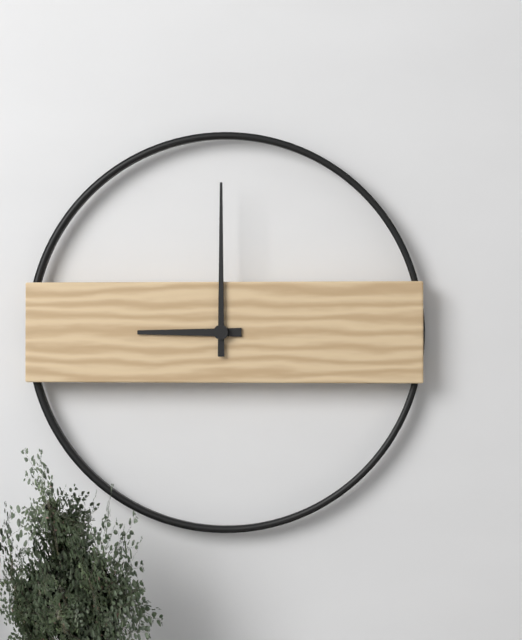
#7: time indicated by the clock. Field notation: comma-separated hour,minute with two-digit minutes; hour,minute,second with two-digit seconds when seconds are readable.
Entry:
9,00
